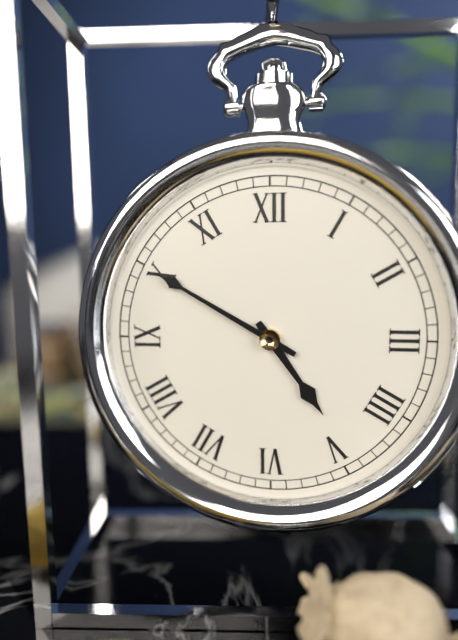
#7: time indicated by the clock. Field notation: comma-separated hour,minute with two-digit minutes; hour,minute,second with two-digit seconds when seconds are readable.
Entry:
4,50
